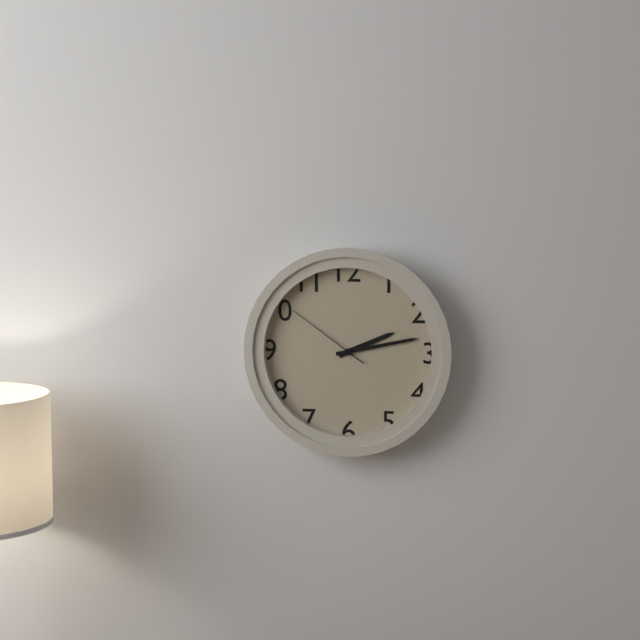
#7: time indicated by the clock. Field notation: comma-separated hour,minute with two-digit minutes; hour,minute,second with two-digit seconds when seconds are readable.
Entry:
2,13,51
